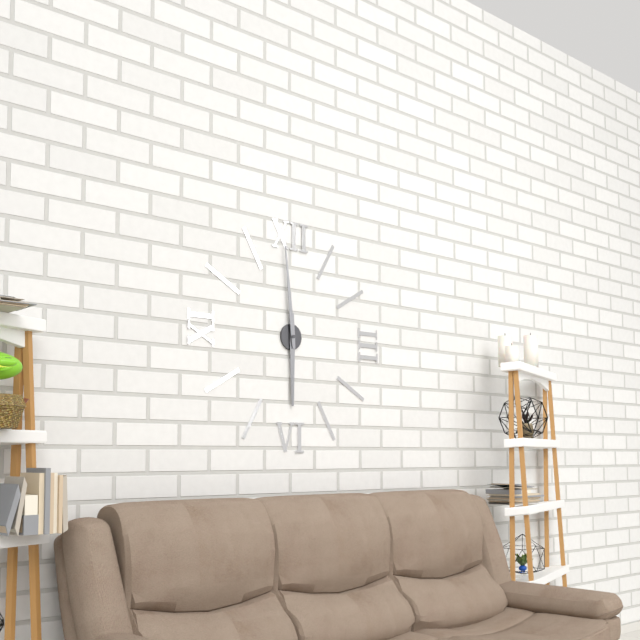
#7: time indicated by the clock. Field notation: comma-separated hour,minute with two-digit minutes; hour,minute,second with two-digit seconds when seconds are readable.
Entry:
5,59
